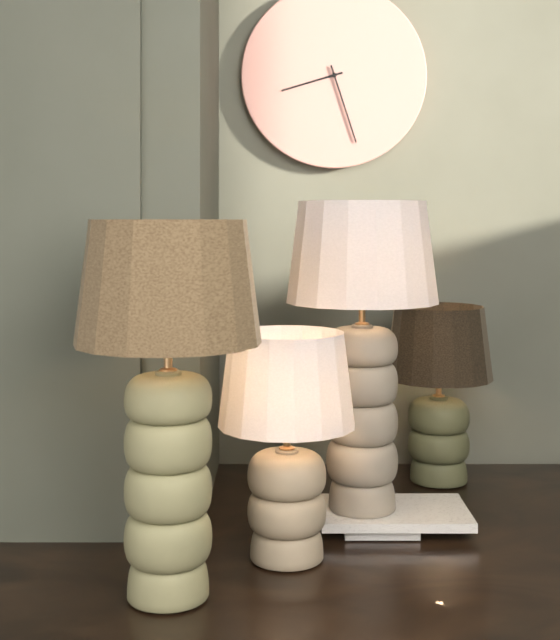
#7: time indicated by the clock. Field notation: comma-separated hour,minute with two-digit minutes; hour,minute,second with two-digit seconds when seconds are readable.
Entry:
8,27
